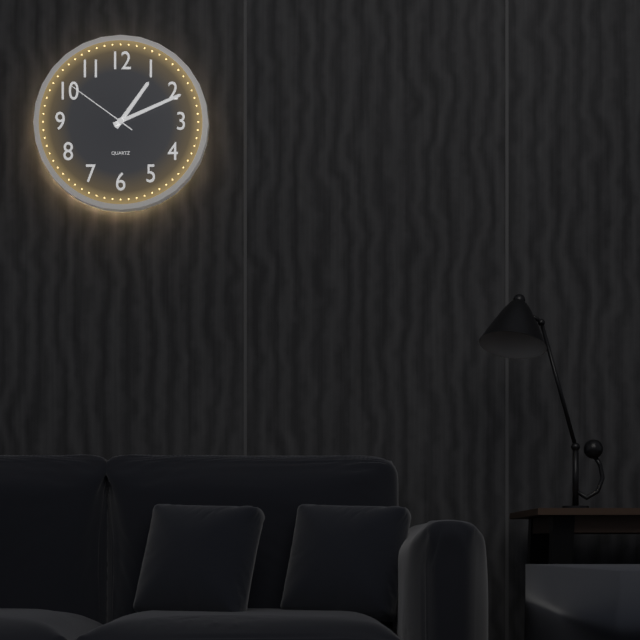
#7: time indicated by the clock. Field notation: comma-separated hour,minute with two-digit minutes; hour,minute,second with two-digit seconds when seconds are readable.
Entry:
1,11,51
